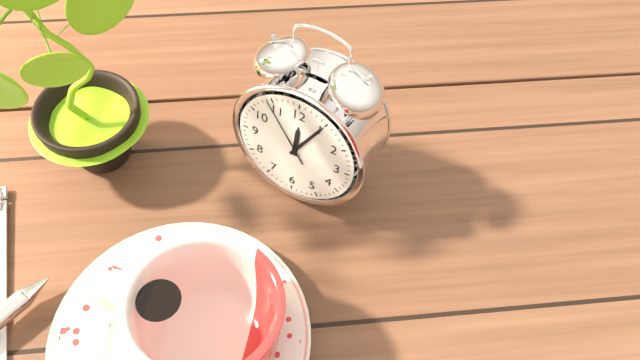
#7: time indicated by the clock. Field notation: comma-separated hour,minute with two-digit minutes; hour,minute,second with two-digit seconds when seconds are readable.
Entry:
12,05,54
